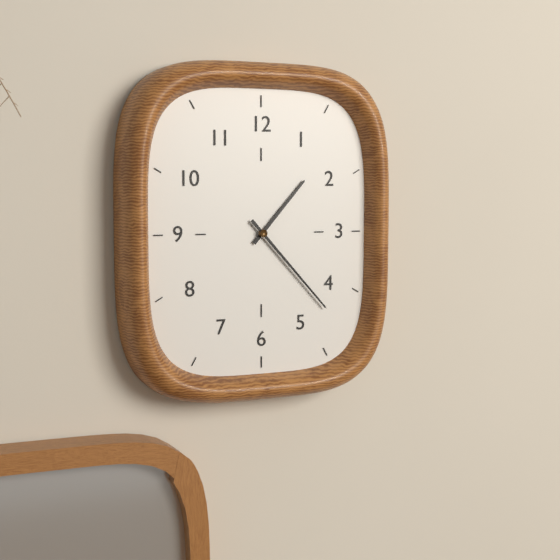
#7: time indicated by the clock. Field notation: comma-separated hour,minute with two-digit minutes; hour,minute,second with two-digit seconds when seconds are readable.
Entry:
1,23
